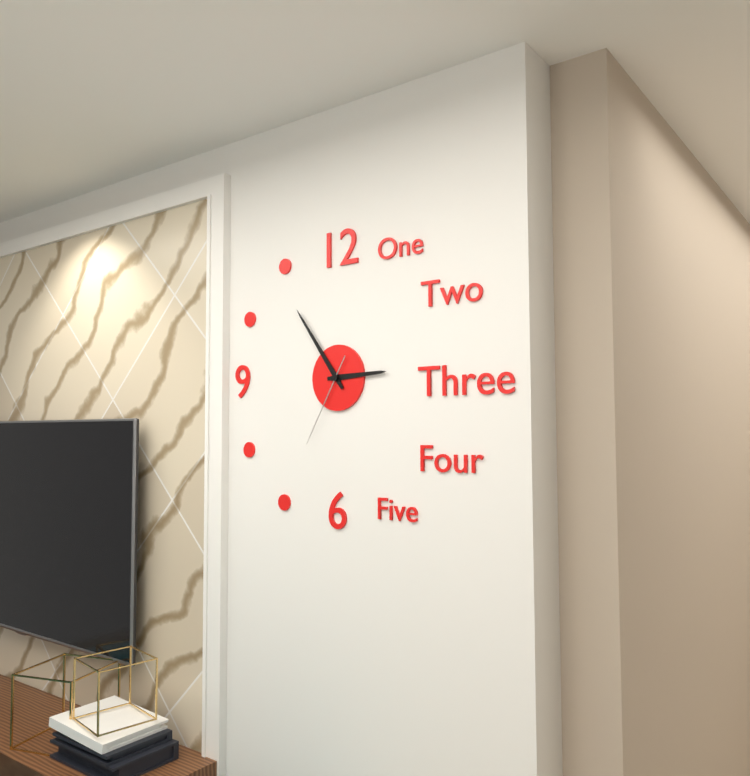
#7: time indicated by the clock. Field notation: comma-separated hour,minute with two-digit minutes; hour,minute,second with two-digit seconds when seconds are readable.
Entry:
2,54,35
